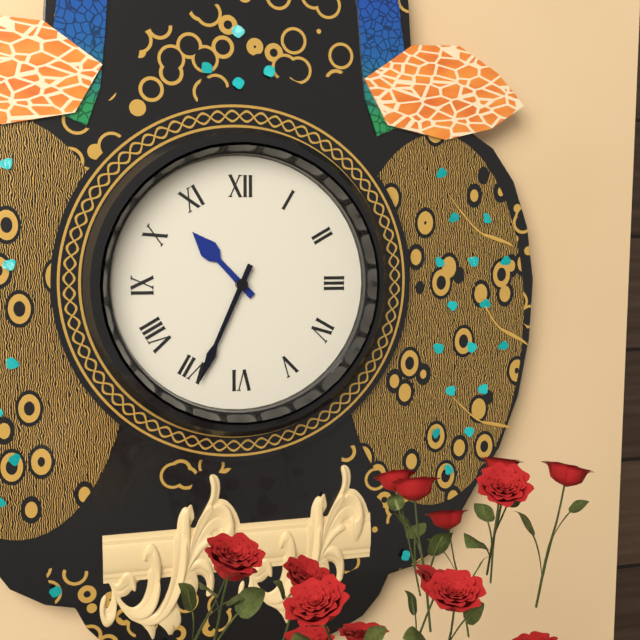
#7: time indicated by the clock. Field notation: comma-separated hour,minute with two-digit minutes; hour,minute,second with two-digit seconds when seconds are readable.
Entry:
10,34
